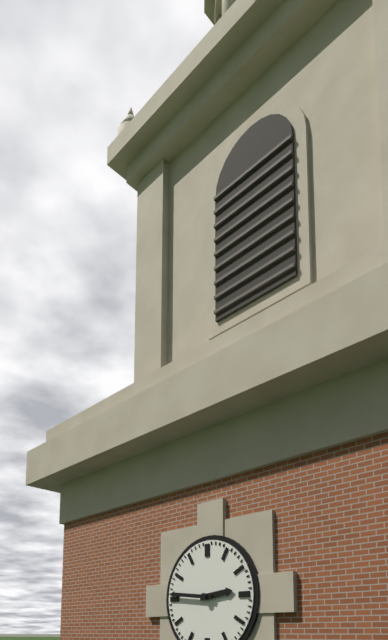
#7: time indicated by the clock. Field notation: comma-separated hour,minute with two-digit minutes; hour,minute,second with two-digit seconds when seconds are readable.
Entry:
2,46
